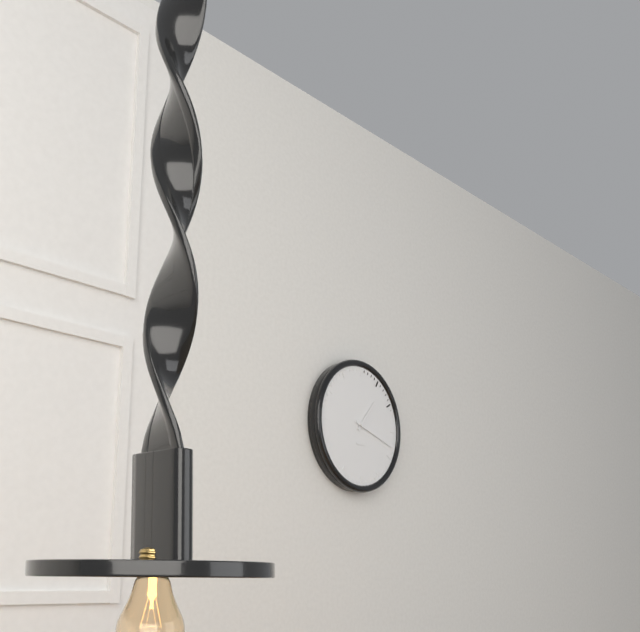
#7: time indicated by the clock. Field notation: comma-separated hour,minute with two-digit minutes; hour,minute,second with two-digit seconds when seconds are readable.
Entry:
1,18
